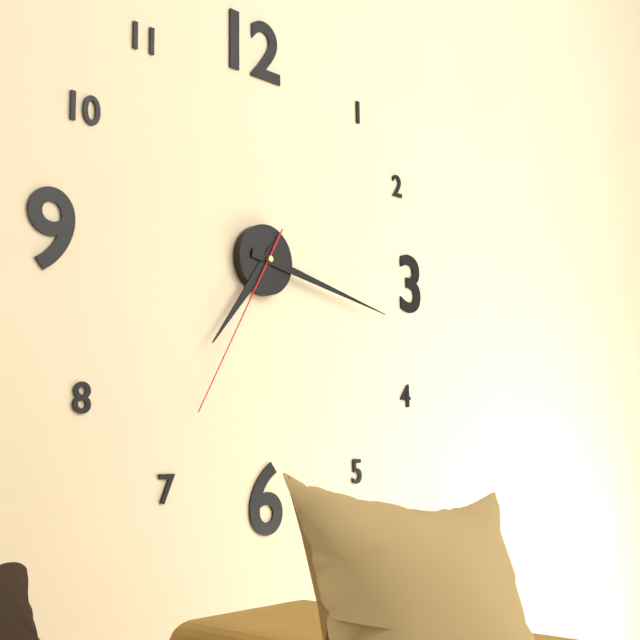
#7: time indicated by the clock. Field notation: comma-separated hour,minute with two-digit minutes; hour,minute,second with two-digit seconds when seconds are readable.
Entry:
7,17,35
